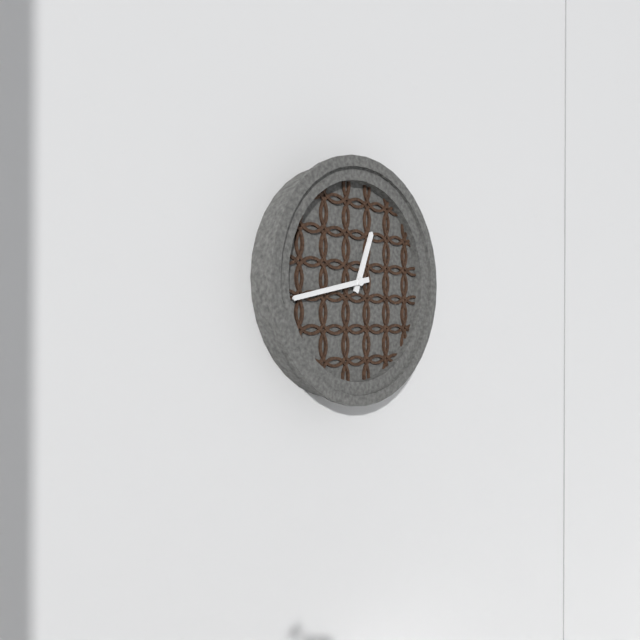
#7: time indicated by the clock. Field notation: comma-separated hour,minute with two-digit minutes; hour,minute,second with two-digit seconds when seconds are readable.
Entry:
12,43
